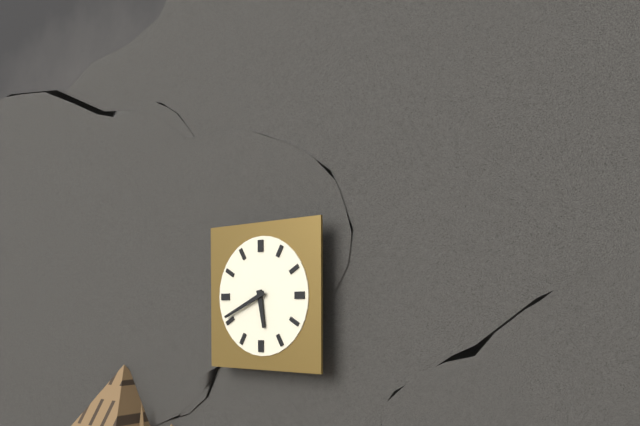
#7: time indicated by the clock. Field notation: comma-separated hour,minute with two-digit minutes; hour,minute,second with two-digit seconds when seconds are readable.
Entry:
5,41
